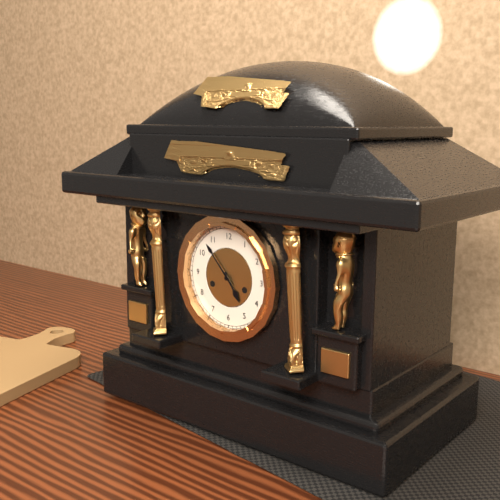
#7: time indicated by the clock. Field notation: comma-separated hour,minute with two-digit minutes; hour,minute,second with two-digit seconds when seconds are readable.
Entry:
4,53
